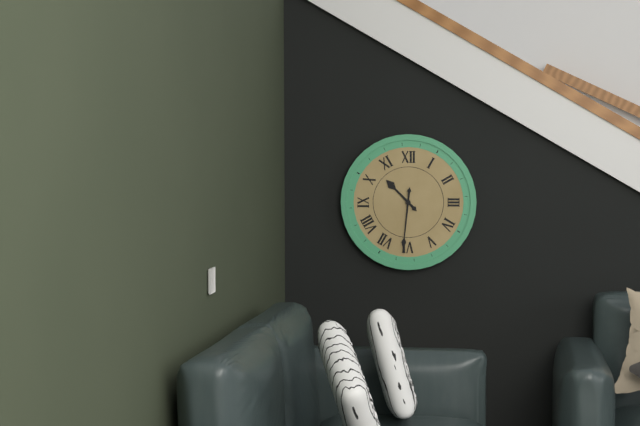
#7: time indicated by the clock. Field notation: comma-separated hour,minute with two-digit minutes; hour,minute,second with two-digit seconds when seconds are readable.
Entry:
10,31
